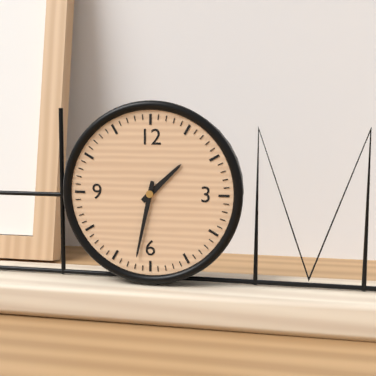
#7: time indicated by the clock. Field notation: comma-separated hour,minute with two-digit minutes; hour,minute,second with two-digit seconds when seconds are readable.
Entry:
1,32
